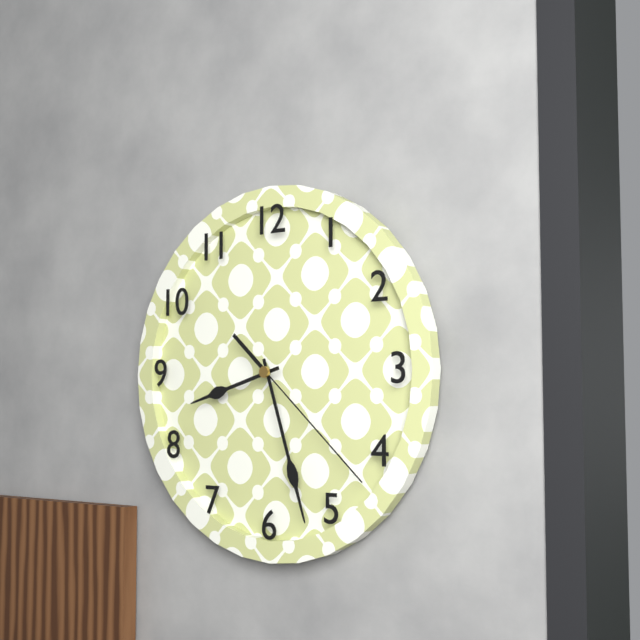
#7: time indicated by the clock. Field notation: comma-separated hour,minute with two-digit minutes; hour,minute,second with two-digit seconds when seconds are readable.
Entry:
8,27,22
